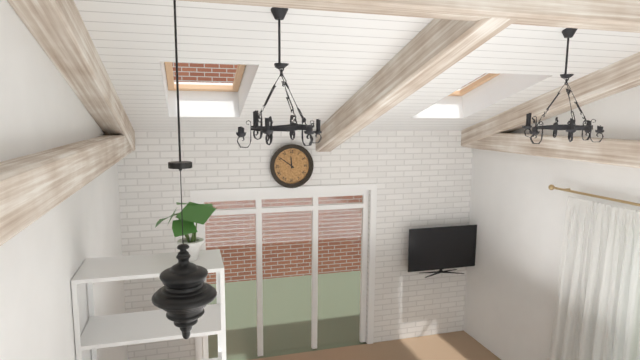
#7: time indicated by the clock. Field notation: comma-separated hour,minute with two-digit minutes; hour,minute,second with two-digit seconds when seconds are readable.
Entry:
11,51
